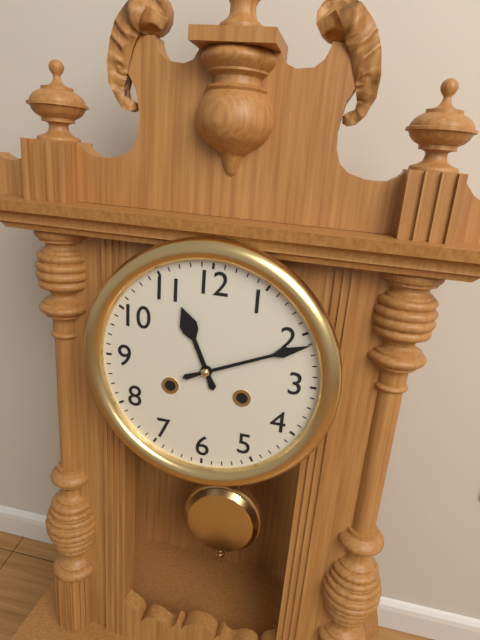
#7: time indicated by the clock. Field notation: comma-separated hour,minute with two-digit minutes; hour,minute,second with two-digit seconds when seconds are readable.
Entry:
11,11
